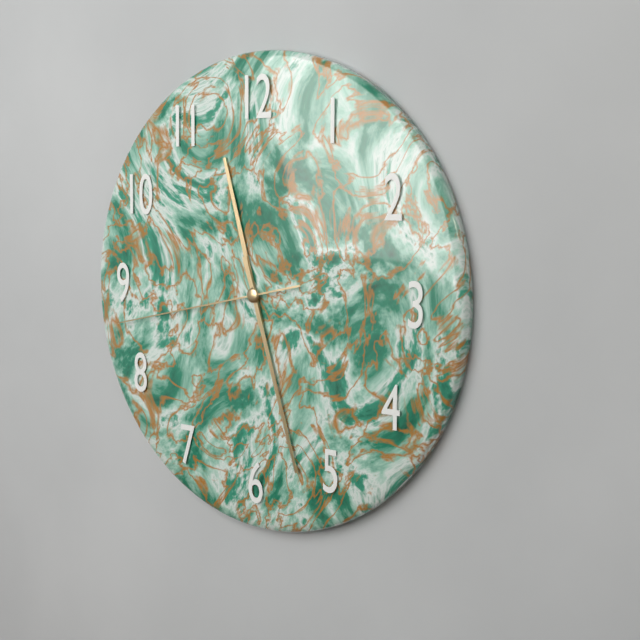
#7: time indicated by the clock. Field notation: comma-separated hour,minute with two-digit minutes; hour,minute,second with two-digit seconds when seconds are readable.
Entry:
11,27,43
